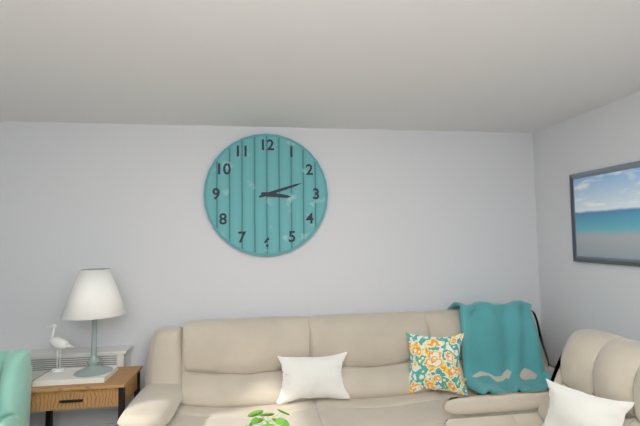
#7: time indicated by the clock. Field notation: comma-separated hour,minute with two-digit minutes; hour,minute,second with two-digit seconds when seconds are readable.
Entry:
3,12
